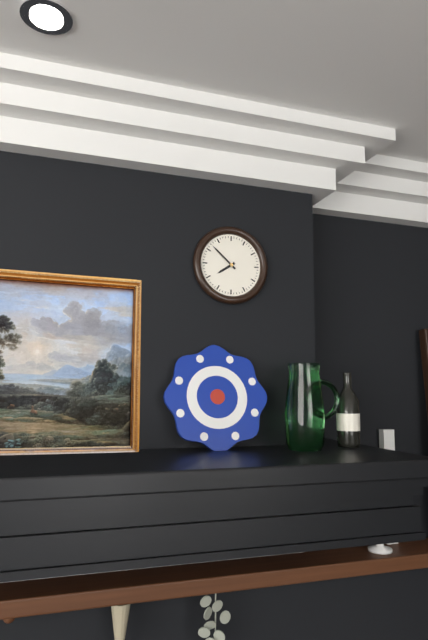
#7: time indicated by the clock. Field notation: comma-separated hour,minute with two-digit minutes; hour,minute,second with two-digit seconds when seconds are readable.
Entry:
7,52
